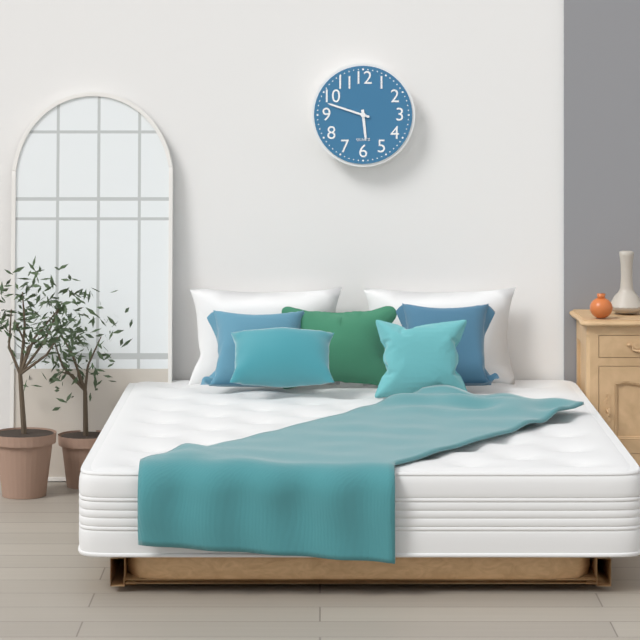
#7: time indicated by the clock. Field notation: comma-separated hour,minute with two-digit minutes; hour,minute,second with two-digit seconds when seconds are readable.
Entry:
5,48
